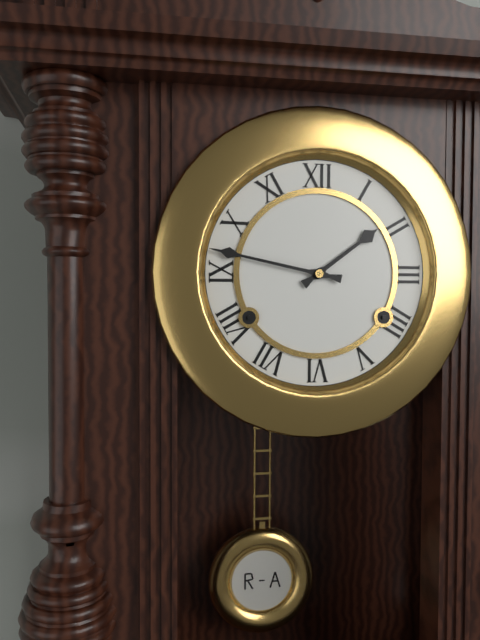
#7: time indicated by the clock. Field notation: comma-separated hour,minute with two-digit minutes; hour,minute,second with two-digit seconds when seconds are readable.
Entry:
1,47
